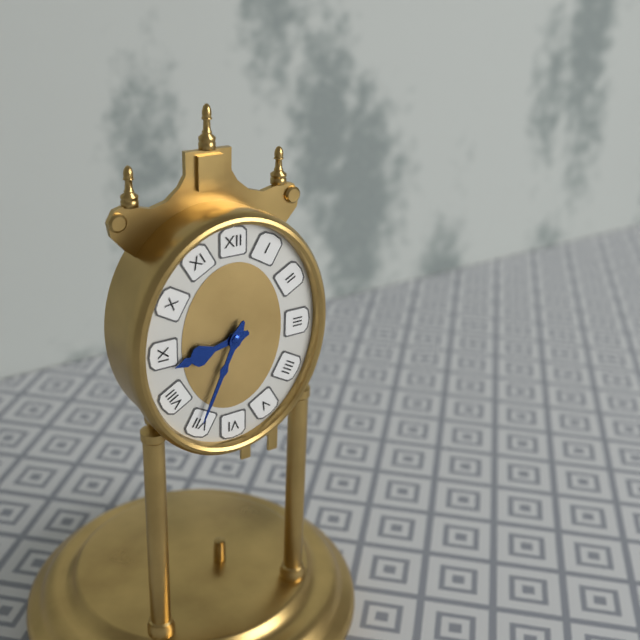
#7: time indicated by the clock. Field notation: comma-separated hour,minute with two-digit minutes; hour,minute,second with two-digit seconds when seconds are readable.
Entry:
8,34
